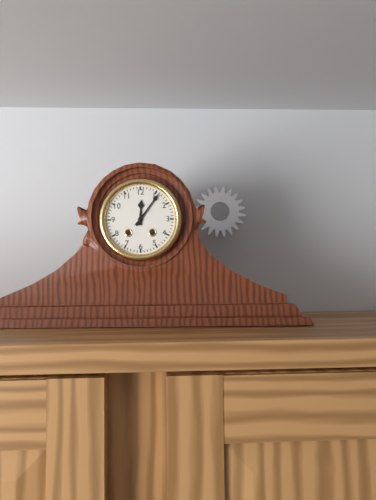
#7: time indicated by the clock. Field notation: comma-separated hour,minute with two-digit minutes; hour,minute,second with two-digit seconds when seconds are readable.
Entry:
12,06
